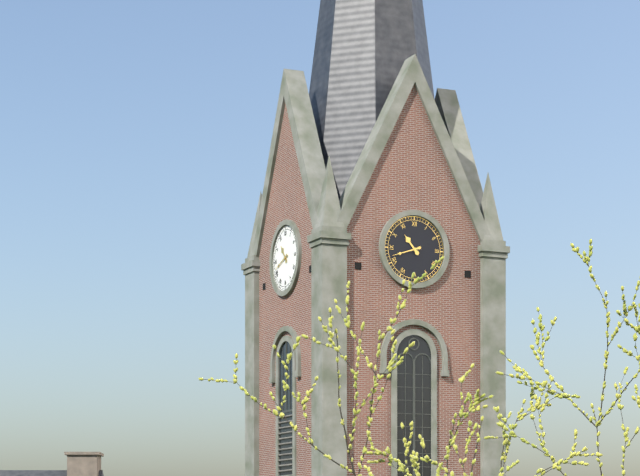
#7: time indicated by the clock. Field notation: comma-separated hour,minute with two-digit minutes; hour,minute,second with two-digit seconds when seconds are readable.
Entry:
10,42
